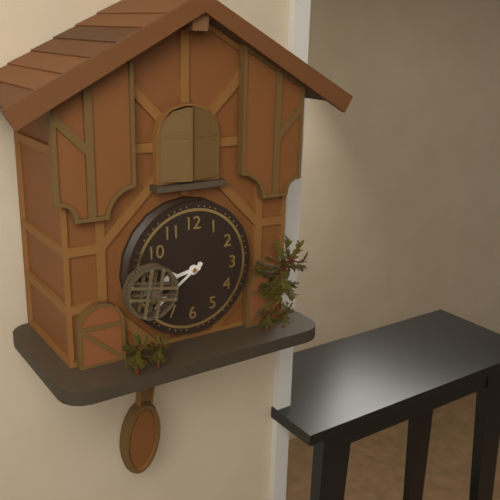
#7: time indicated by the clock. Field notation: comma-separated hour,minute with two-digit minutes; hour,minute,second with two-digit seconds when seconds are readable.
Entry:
8,39
